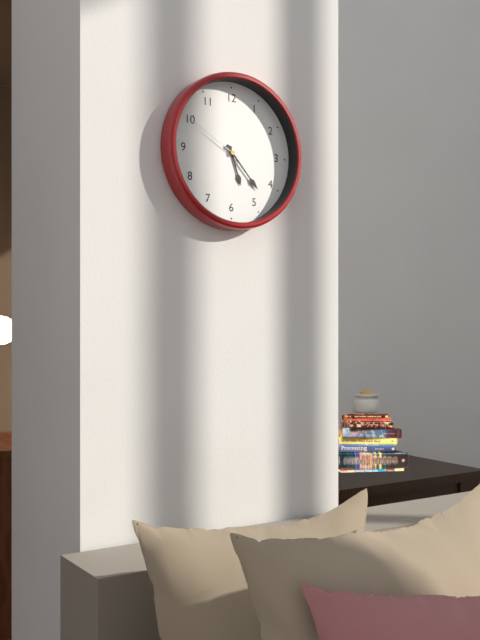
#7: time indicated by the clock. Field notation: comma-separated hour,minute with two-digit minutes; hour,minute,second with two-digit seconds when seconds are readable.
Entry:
5,23,50
